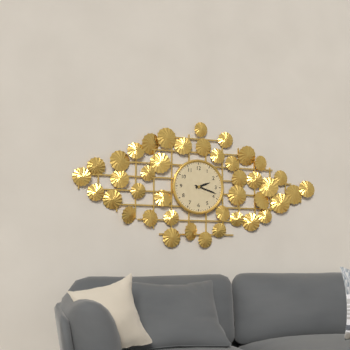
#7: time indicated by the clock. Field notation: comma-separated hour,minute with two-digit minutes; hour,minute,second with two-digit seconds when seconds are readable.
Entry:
2,18
